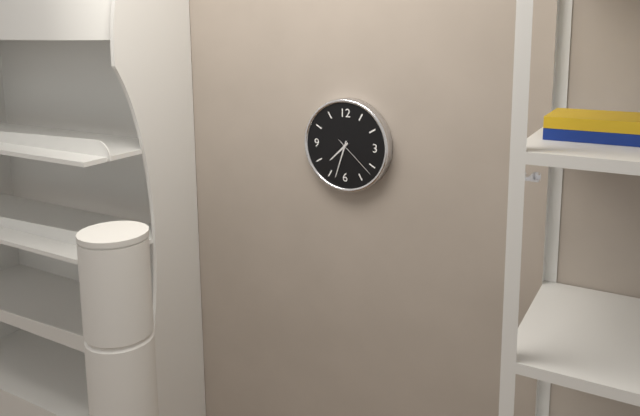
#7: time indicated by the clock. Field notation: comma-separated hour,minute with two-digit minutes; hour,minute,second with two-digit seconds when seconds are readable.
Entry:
7,33
